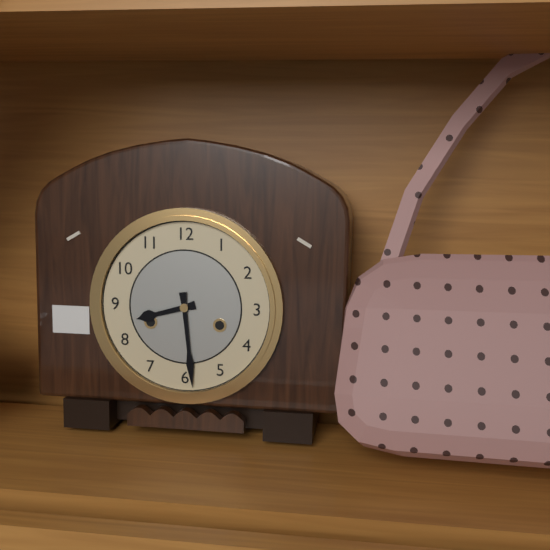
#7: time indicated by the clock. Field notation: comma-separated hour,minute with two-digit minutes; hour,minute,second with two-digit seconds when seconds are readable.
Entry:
8,29
